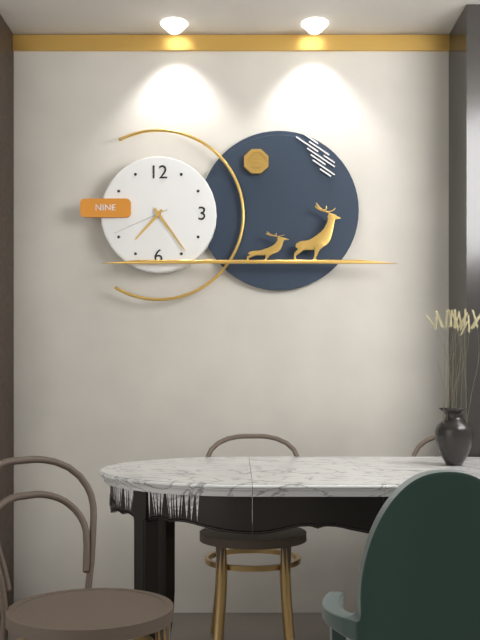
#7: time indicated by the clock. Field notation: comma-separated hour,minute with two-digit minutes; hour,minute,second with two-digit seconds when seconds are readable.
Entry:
7,24,41
